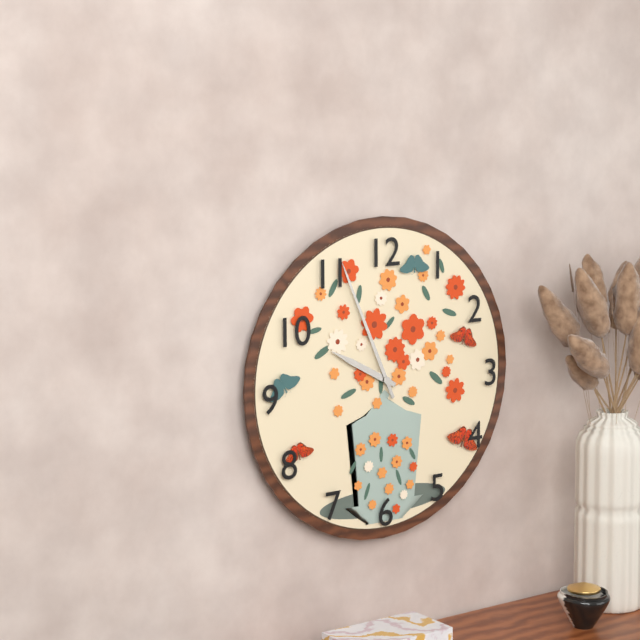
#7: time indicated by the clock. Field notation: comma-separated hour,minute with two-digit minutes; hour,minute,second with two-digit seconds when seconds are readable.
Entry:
9,56
